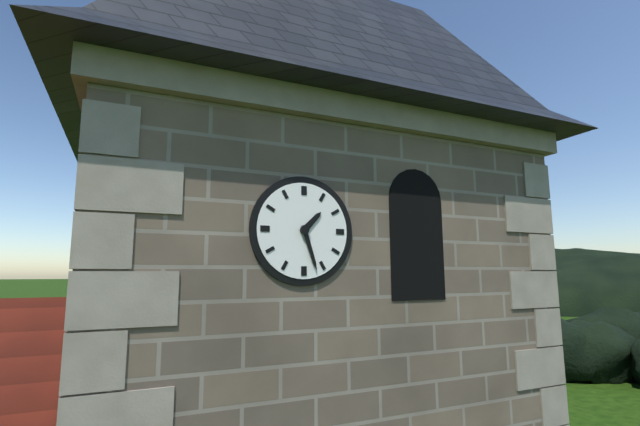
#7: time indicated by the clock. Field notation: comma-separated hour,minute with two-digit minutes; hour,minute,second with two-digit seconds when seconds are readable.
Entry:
1,27
